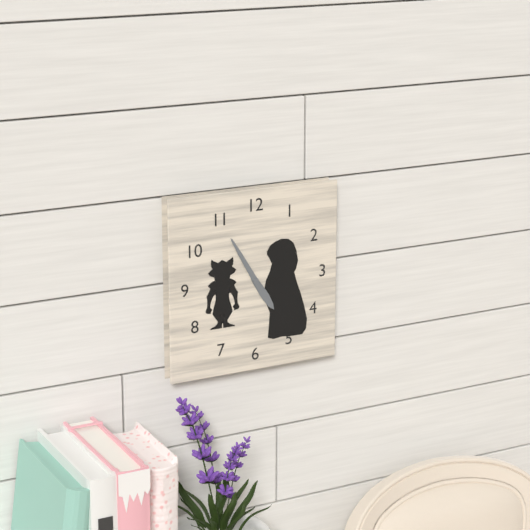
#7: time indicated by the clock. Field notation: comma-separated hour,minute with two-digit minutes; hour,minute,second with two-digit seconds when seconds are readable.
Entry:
4,55
